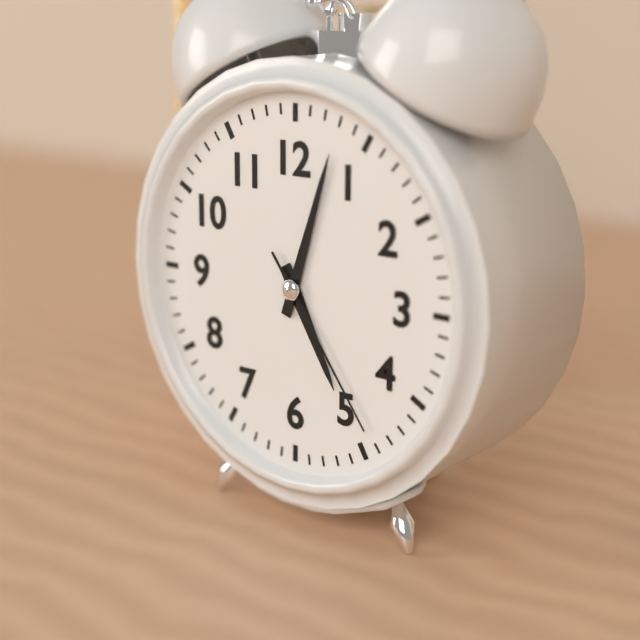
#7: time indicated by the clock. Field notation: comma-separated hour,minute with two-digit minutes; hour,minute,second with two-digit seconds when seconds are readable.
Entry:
5,03,24
